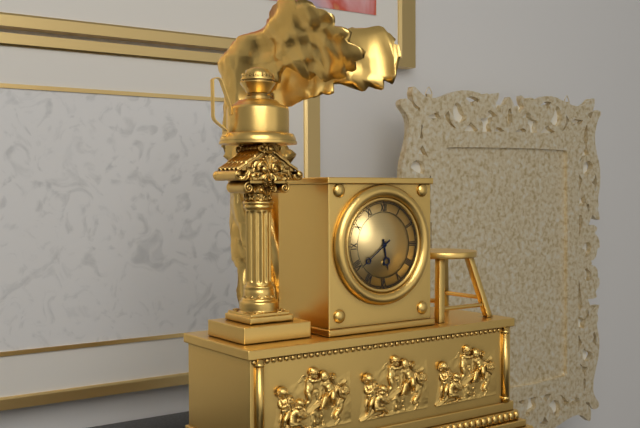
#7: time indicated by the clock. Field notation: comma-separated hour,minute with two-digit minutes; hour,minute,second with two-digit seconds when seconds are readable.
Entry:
5,39
